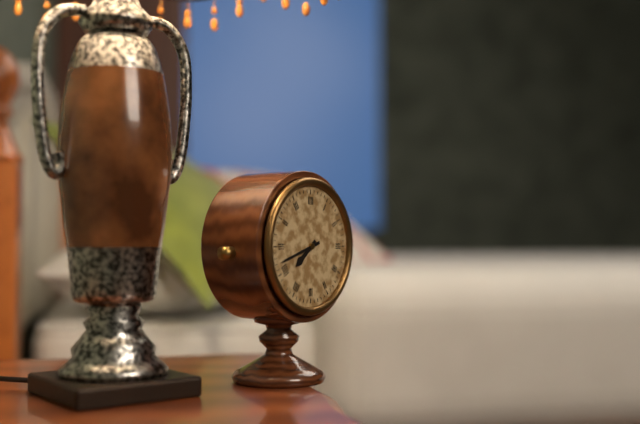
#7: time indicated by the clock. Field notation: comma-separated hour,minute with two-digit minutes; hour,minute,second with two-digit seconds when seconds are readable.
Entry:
7,42
